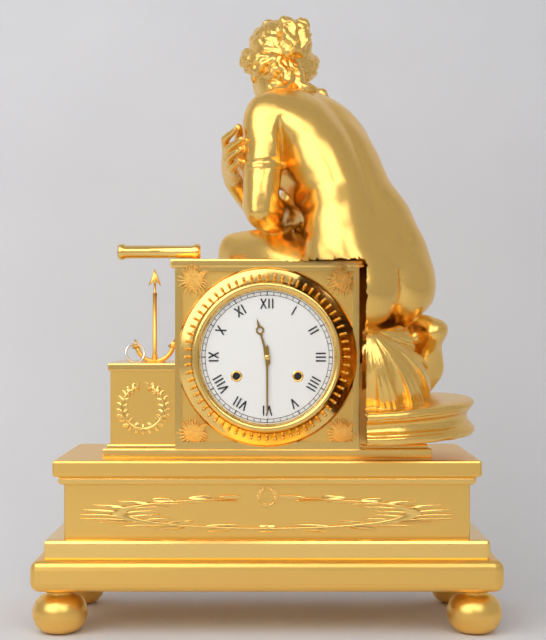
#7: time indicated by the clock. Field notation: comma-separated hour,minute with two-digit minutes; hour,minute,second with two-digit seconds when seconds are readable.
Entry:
11,30
